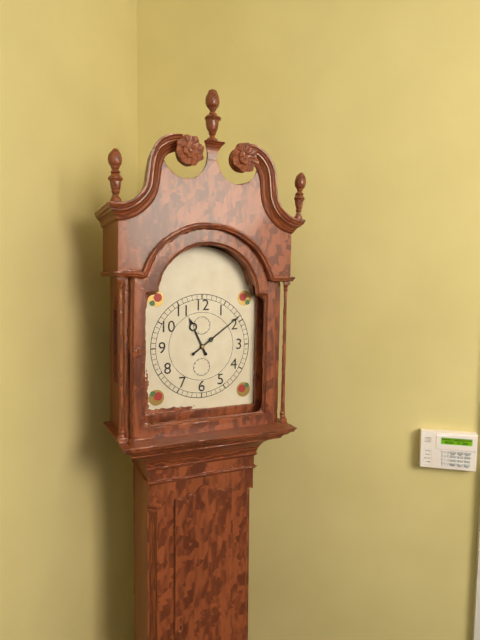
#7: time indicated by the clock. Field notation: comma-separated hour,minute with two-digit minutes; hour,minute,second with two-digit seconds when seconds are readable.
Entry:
11,09
